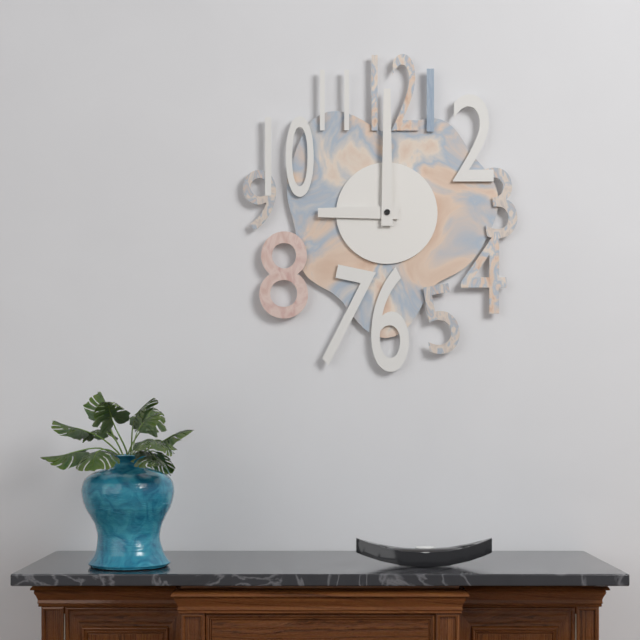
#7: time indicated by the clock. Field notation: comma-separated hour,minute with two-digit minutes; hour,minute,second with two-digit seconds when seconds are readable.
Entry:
9,00
